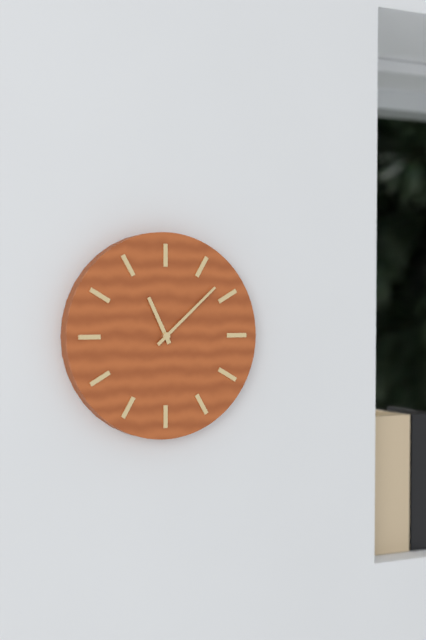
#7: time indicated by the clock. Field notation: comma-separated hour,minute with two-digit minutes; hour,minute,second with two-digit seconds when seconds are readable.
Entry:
11,08
